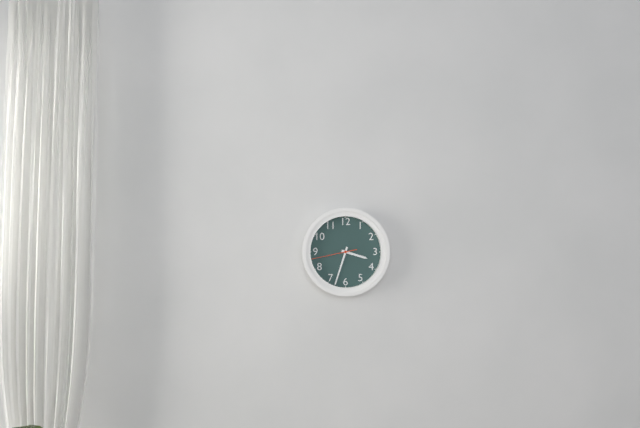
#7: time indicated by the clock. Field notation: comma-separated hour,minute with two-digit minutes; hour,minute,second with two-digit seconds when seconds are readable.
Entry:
3,33
